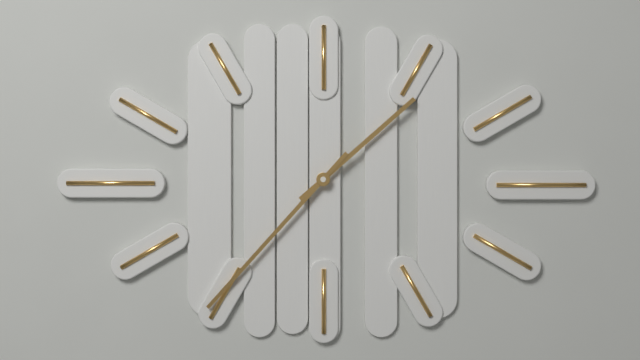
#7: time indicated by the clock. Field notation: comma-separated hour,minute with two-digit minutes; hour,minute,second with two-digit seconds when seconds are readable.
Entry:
1,37
